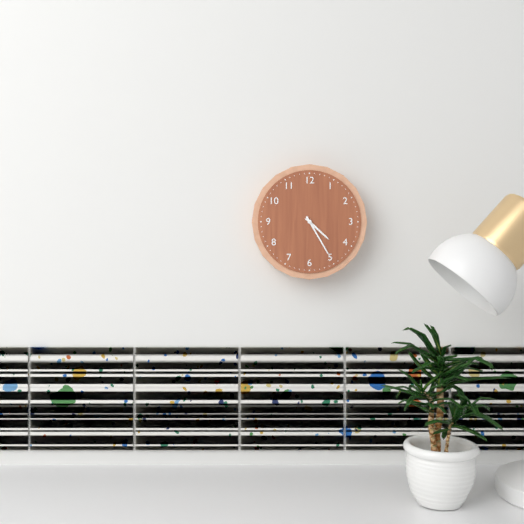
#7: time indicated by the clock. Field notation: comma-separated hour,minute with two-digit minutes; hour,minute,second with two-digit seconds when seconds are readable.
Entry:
4,25
